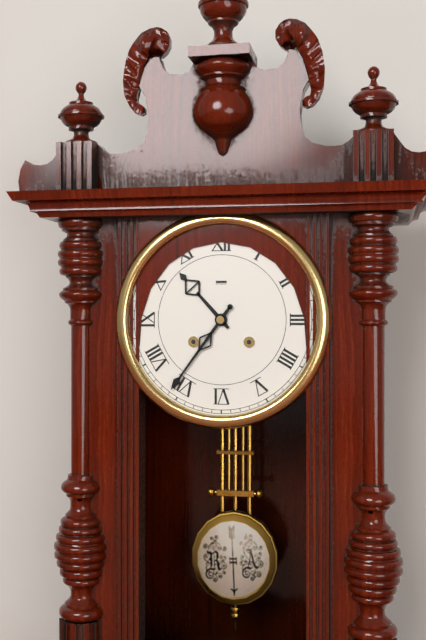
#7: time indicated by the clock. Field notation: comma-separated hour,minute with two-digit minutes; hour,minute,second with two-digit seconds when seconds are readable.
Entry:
10,36
